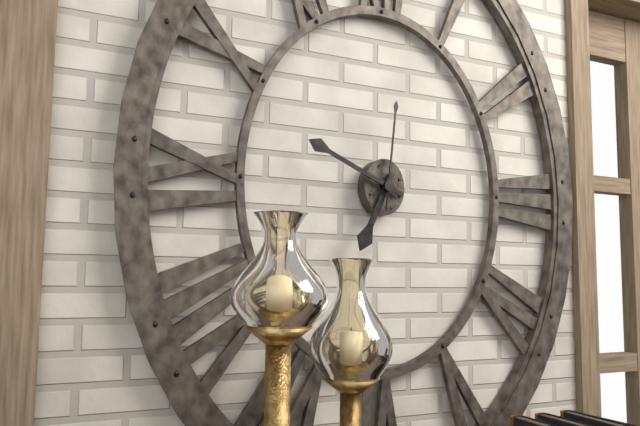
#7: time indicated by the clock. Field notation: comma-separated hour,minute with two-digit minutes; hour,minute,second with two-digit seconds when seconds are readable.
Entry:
6,49,01
